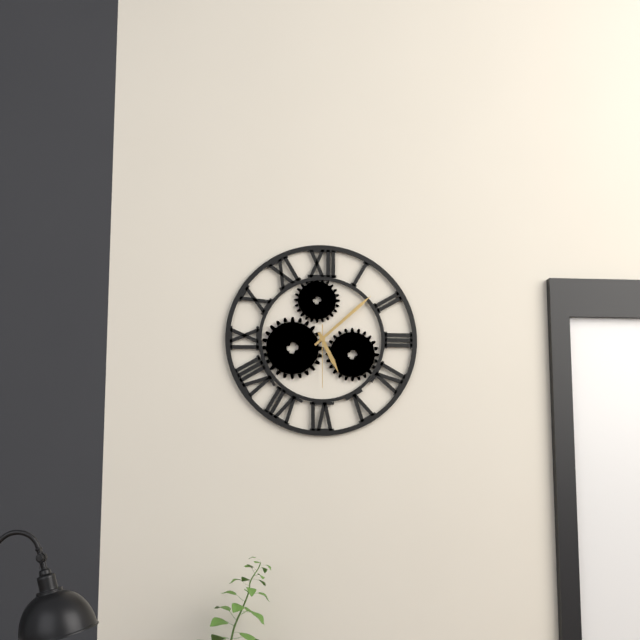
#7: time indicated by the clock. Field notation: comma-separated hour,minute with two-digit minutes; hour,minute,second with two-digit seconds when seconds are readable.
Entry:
5,08,30
